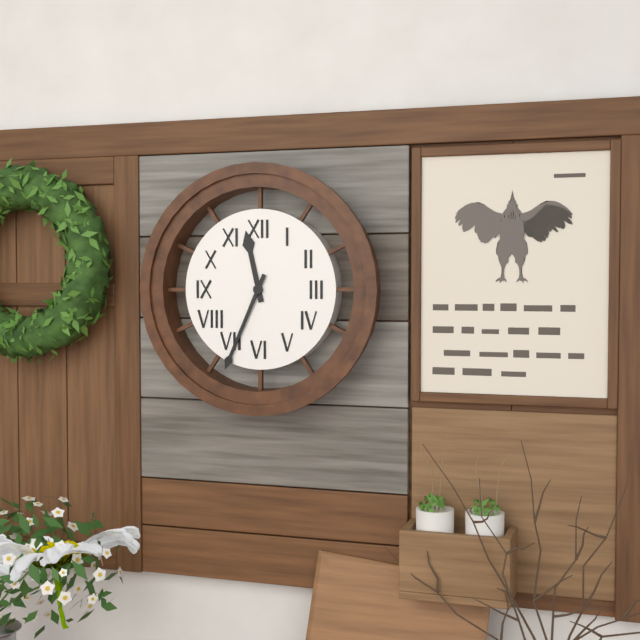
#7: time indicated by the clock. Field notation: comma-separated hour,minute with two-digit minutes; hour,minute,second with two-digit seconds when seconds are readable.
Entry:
11,34
